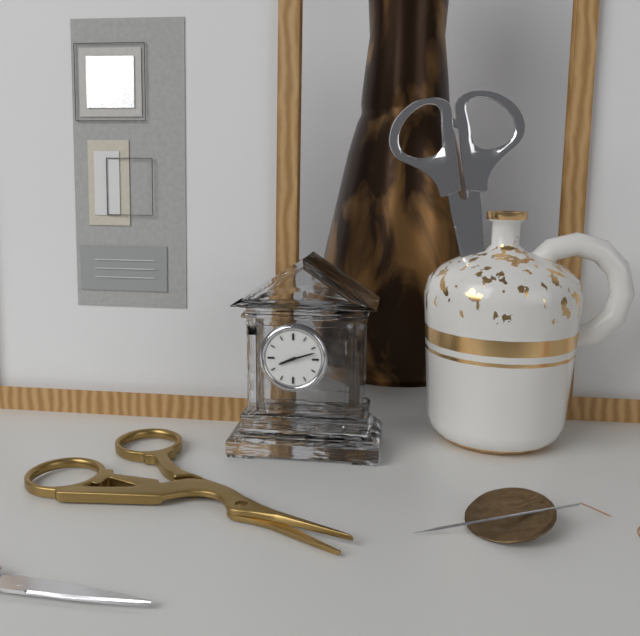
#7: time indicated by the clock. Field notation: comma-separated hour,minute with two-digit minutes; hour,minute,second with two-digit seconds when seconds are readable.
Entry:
8,12
